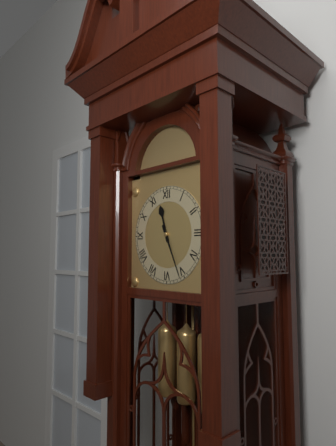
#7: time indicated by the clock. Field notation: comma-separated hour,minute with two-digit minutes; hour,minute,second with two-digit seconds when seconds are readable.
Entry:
11,26
